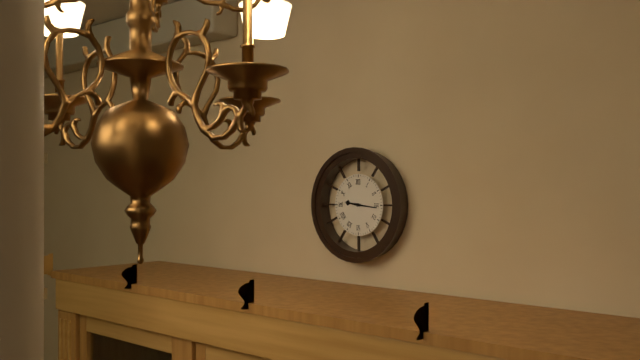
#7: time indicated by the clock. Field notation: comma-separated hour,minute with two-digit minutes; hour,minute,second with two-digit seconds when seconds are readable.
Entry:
9,16
